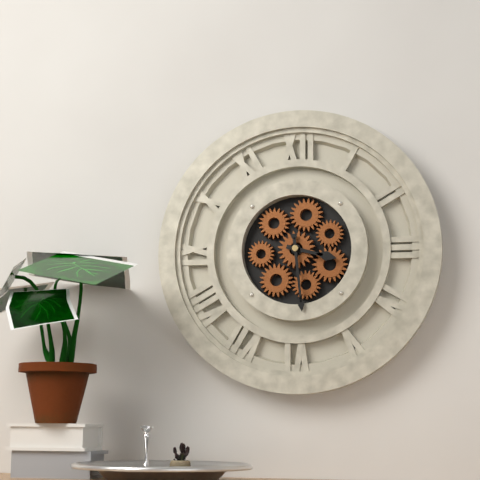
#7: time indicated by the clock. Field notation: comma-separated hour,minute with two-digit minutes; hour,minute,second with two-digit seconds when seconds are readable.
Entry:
3,29
